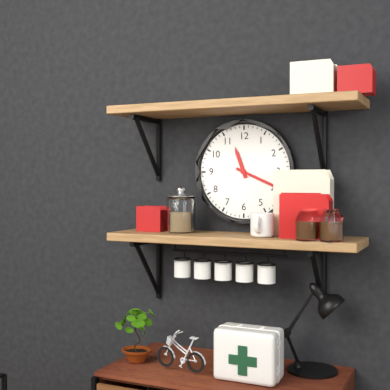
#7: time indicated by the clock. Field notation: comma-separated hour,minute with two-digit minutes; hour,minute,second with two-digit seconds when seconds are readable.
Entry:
11,19
